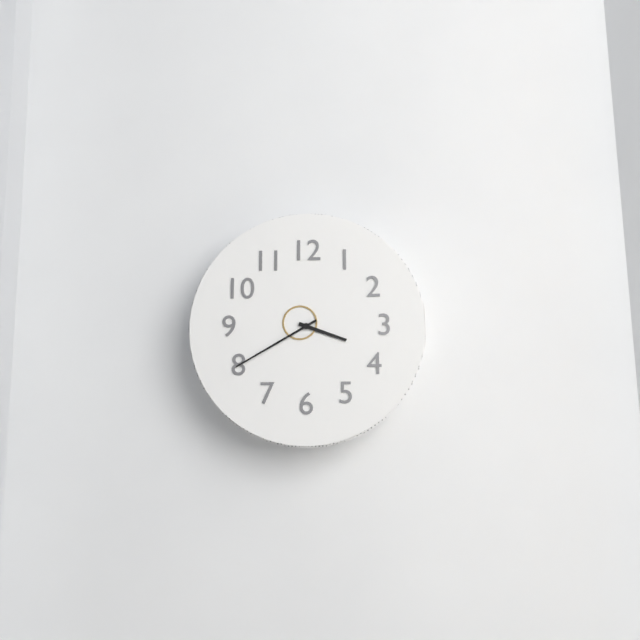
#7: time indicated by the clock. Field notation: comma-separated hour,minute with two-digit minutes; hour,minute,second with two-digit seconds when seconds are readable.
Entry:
3,40
